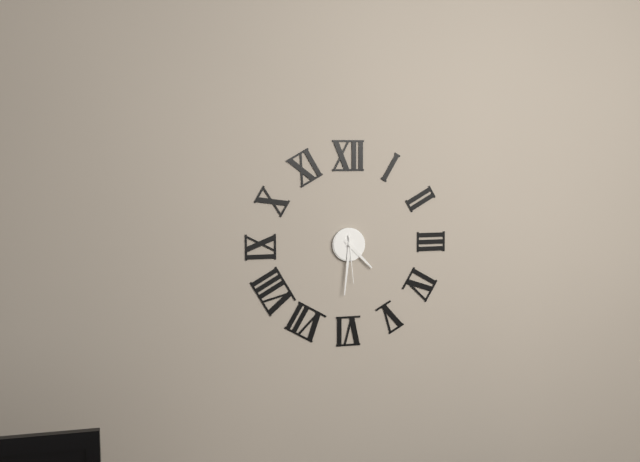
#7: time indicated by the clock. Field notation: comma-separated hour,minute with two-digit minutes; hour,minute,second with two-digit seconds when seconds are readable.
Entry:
4,31
